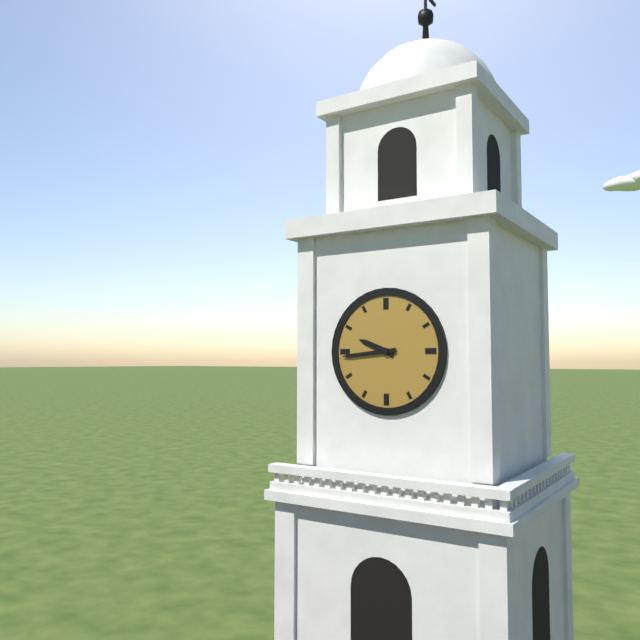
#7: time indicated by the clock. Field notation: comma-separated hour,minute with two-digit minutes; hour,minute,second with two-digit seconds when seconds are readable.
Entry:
9,44
